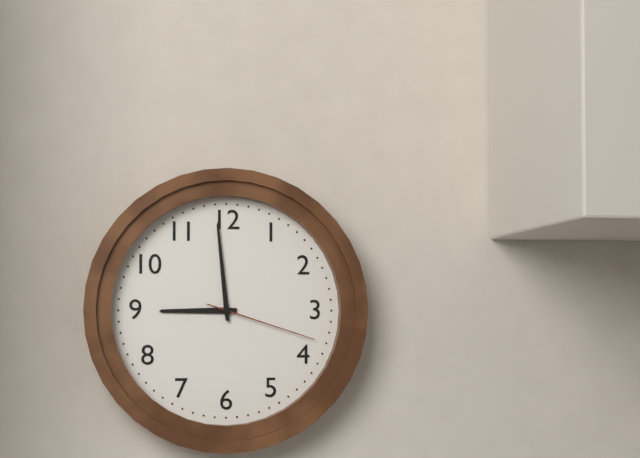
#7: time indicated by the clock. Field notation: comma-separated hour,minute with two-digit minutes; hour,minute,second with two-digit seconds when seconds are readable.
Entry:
8,59,18
